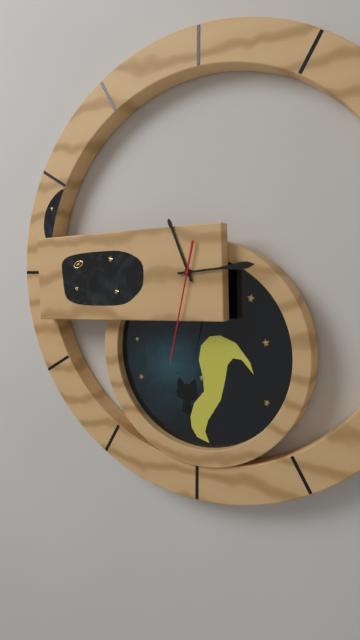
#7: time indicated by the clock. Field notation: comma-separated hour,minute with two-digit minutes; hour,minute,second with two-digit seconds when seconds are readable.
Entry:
11,14,32
